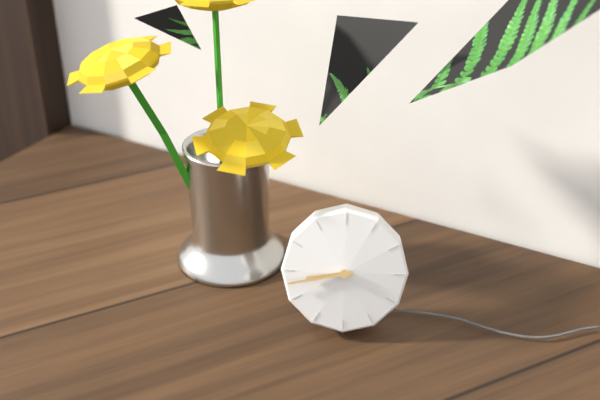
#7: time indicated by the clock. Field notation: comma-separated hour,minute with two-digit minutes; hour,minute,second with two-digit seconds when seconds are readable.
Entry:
8,43
